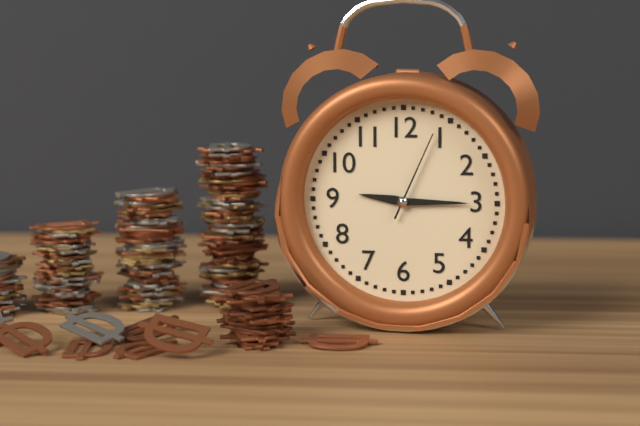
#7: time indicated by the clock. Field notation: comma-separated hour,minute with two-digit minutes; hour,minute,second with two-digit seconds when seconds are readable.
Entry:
9,15,04
